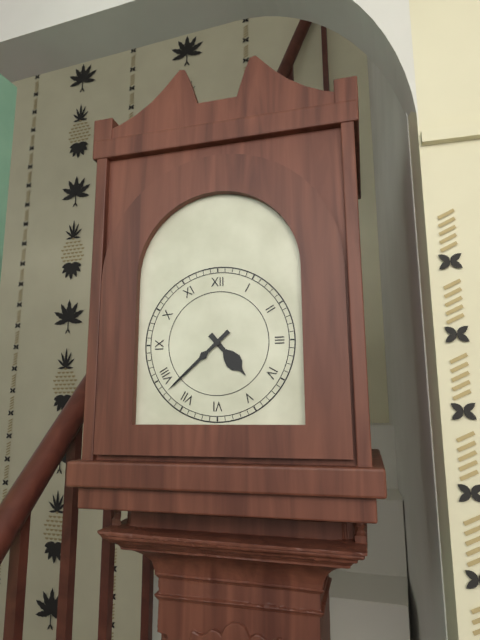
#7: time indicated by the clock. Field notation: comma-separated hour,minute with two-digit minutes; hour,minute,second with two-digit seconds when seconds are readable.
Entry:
4,38
